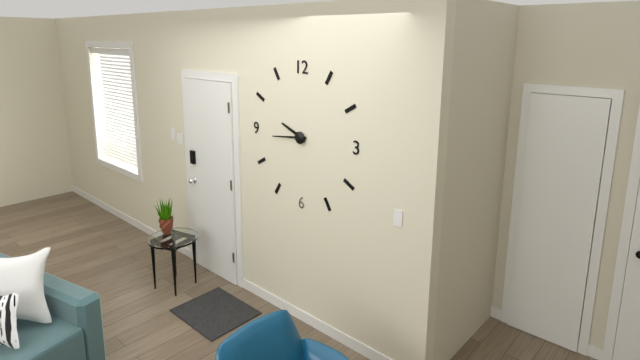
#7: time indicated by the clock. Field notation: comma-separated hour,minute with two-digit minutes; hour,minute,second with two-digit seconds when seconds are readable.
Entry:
9,44
